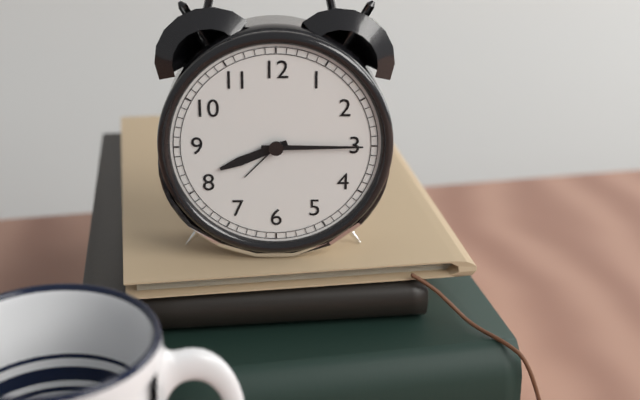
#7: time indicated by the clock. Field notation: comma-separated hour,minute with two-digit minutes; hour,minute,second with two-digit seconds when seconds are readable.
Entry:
8,15
